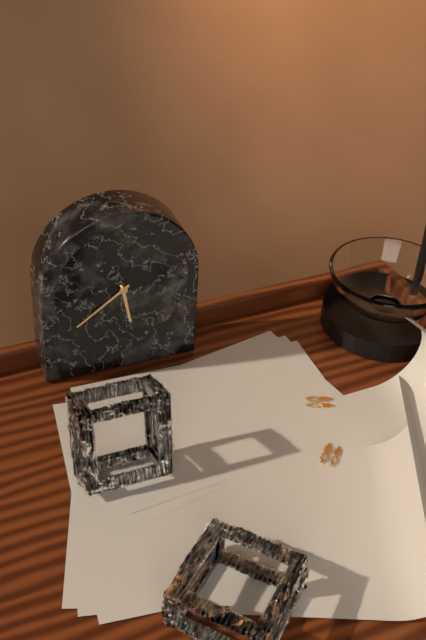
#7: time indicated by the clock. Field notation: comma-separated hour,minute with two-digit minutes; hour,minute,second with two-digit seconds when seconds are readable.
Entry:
5,39
